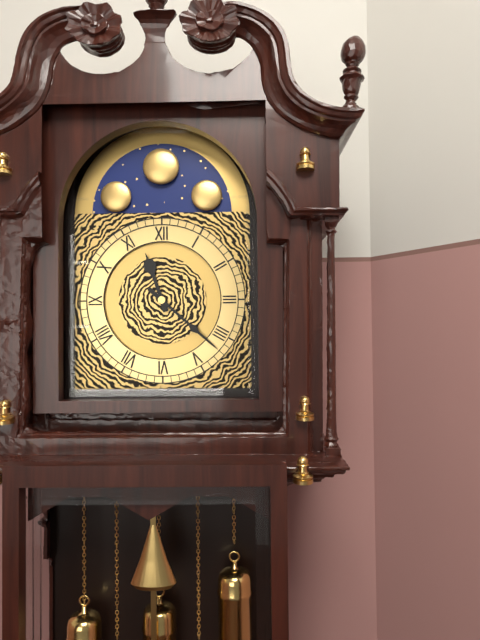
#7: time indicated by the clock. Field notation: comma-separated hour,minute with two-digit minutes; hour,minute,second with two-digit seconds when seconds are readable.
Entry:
11,22
